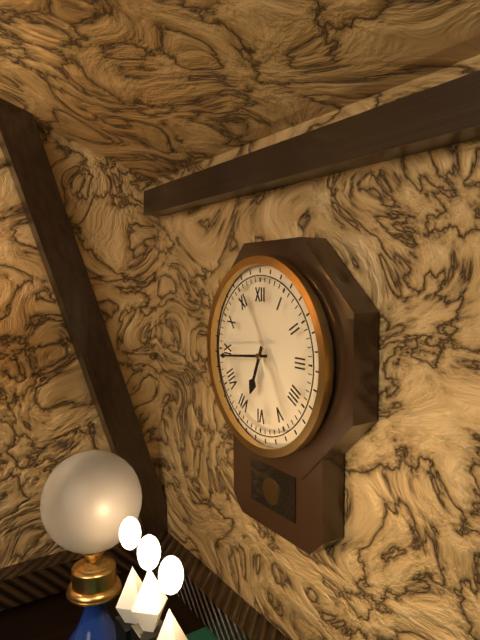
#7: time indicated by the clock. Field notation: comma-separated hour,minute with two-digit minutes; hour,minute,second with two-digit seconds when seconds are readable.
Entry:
6,44
